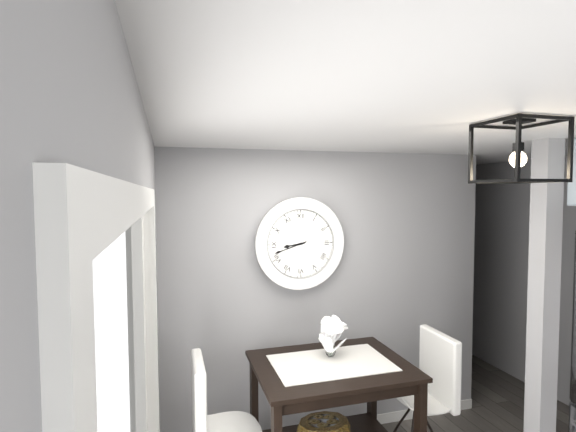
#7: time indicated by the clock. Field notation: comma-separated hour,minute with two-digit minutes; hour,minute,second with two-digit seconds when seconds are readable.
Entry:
8,42
